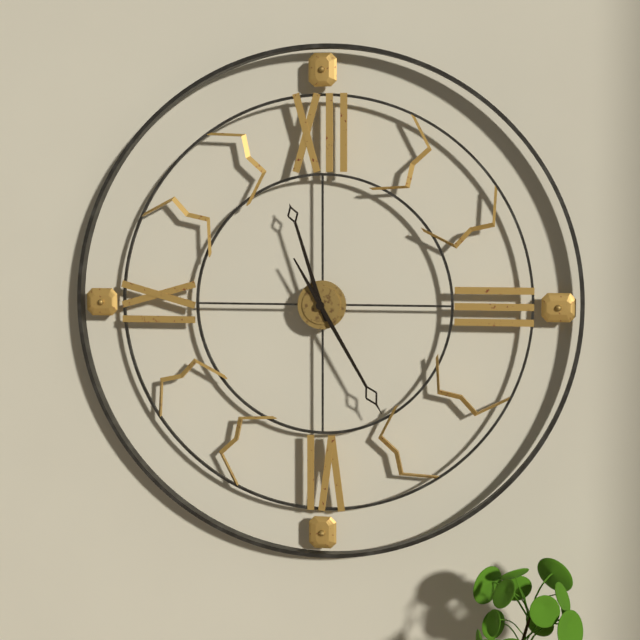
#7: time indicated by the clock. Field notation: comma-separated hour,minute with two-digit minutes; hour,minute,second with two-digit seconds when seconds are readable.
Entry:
11,25
